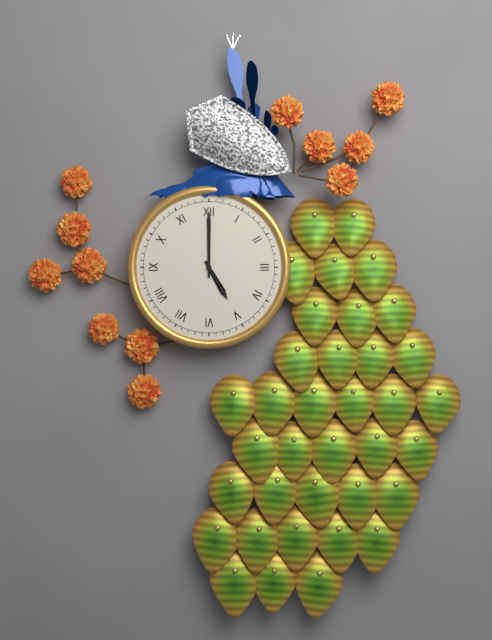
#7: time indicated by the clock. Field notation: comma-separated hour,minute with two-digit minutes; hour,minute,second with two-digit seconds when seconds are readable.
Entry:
5,00
